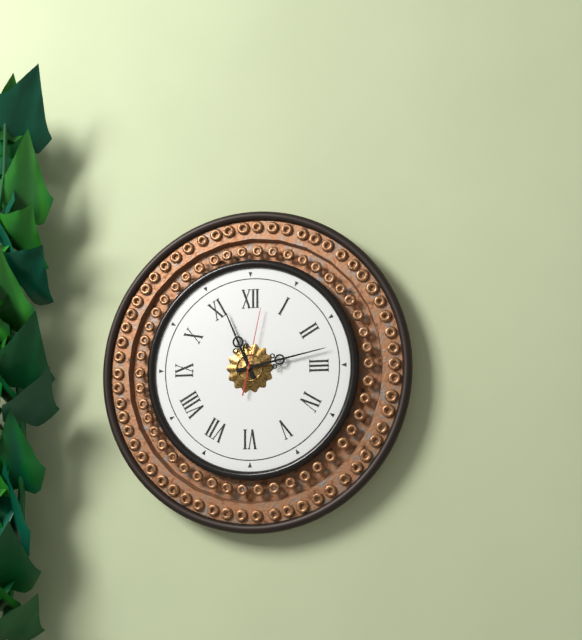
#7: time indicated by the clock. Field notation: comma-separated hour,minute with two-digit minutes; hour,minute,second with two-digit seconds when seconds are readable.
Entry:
11,13,02
